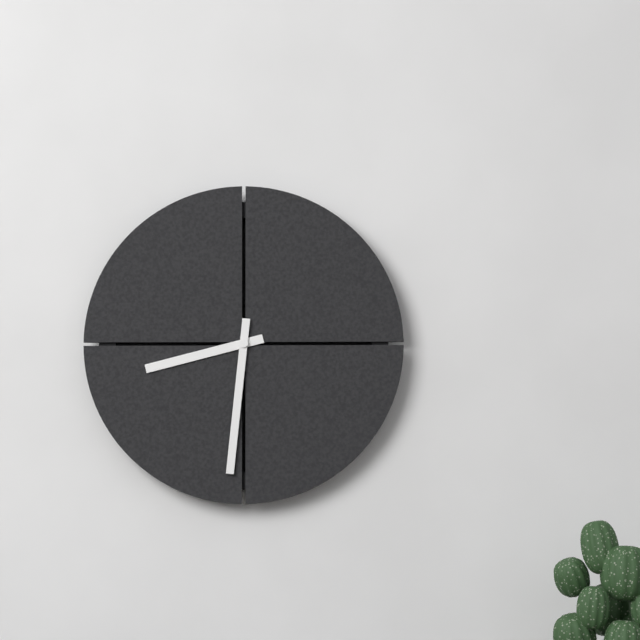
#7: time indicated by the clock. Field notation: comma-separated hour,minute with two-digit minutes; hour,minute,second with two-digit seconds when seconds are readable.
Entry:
8,31
